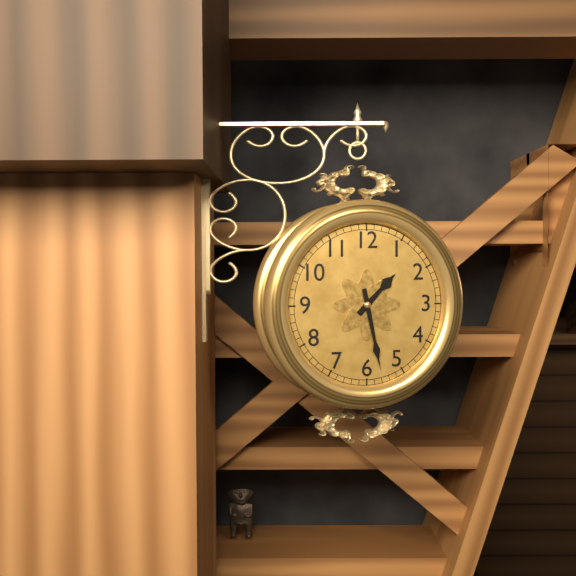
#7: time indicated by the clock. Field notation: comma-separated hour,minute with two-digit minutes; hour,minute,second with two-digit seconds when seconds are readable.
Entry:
1,28
